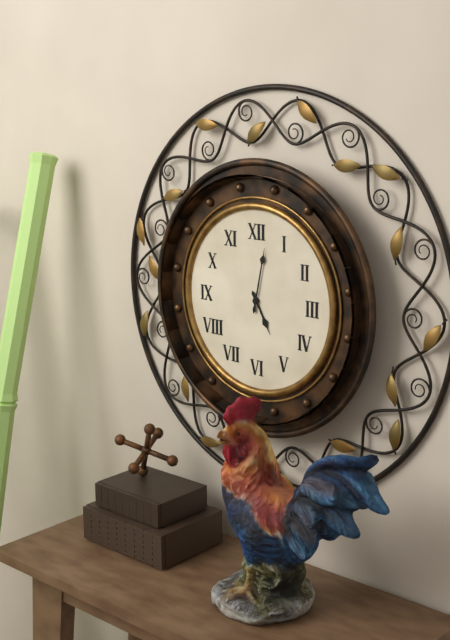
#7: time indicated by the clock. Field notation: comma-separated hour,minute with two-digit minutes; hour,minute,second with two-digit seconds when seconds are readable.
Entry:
5,02
